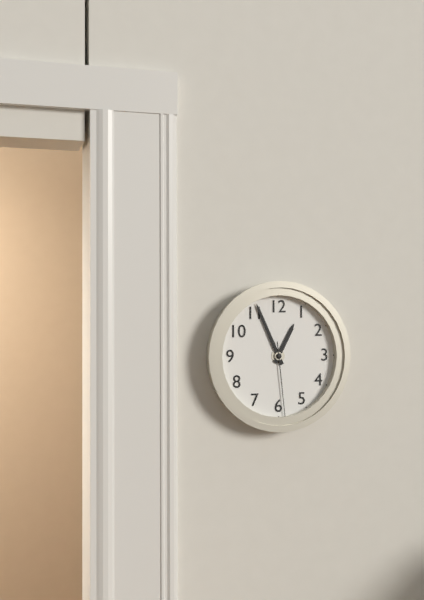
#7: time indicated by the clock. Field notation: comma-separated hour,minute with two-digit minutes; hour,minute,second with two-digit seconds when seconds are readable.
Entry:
12,56,29
